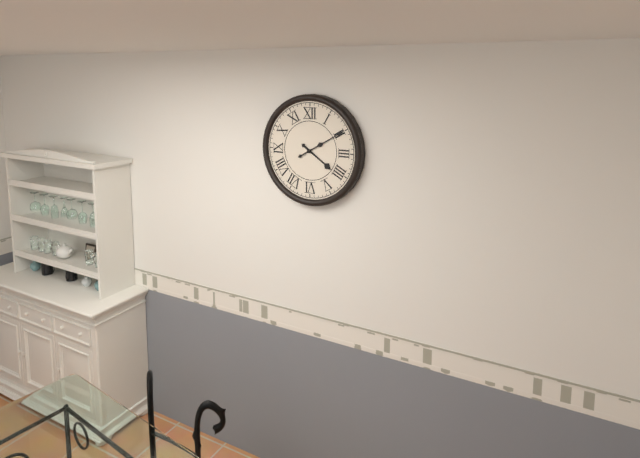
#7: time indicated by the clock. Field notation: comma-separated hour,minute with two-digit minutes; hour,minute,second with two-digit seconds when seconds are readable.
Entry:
4,10
